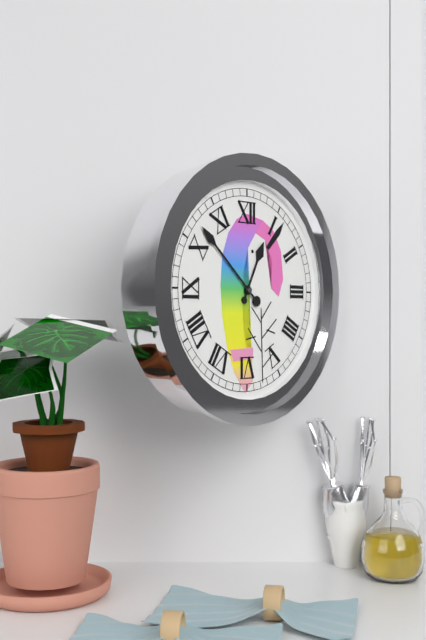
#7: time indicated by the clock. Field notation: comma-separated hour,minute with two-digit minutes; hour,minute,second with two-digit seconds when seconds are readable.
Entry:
12,52
